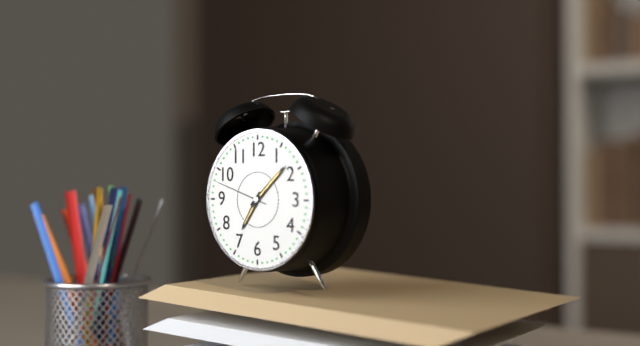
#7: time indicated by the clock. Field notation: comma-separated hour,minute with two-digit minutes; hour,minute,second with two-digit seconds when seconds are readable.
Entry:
7,08,48
